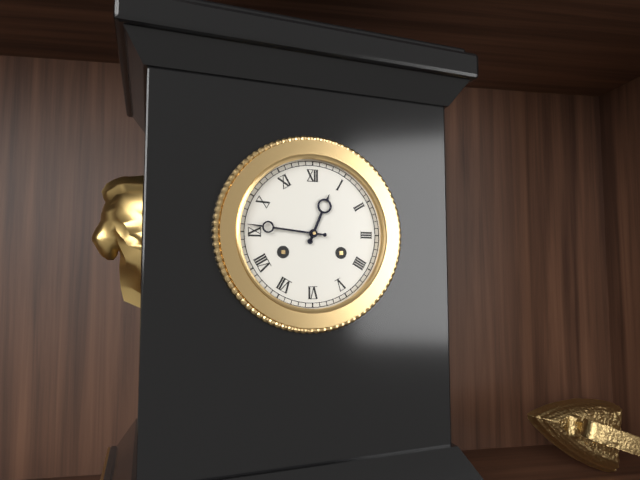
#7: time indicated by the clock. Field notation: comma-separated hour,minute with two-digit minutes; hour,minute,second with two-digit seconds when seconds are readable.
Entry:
12,46
